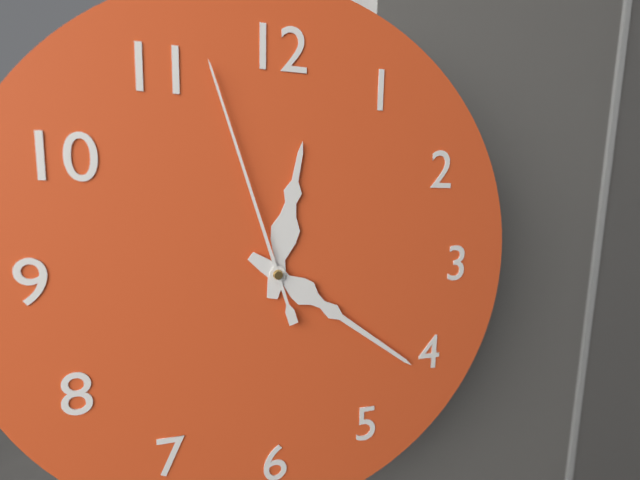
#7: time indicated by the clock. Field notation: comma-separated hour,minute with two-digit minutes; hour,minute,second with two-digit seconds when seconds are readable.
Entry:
12,21,57
